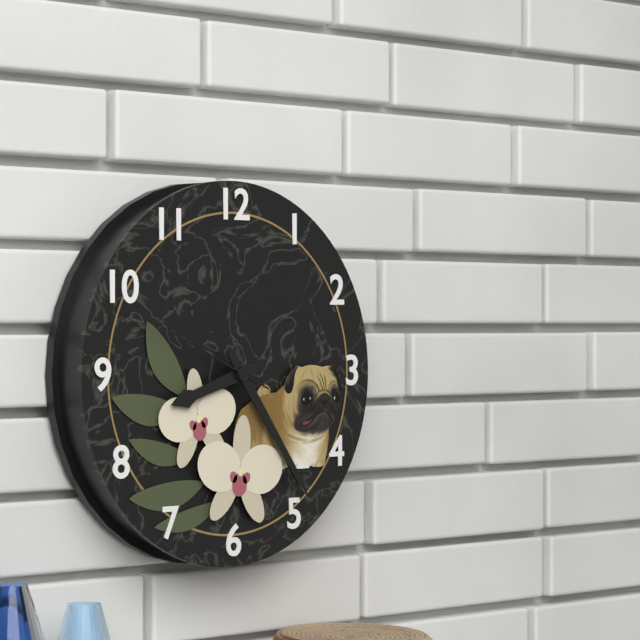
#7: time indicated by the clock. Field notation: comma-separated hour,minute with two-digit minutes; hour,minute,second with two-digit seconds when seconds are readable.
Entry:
8,24,49
